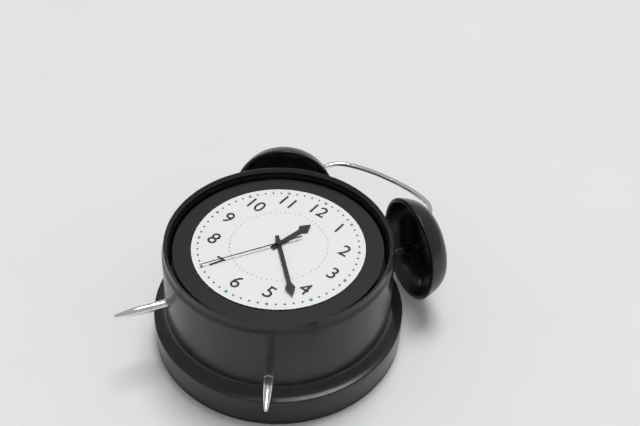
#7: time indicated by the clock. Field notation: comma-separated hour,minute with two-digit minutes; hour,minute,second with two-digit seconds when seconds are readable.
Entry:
12,22,35
